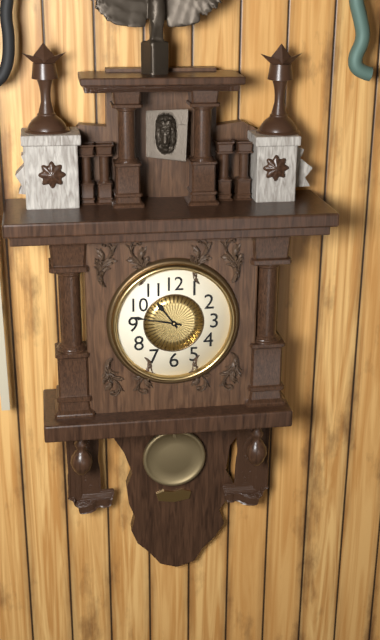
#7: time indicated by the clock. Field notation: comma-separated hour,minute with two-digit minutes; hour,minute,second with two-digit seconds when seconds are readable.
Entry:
10,47
